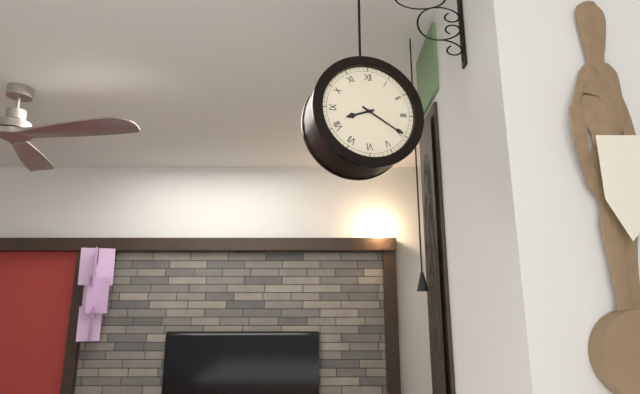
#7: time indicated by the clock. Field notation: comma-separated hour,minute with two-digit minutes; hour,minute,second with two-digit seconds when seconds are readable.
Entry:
8,20
